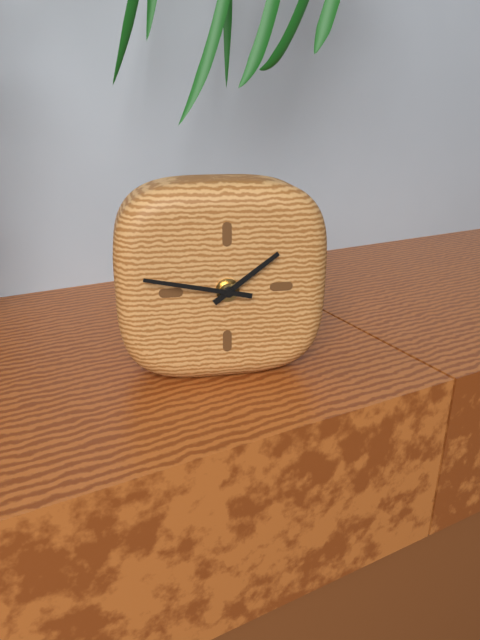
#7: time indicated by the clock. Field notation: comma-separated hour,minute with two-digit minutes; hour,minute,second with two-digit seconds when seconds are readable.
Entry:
1,47
